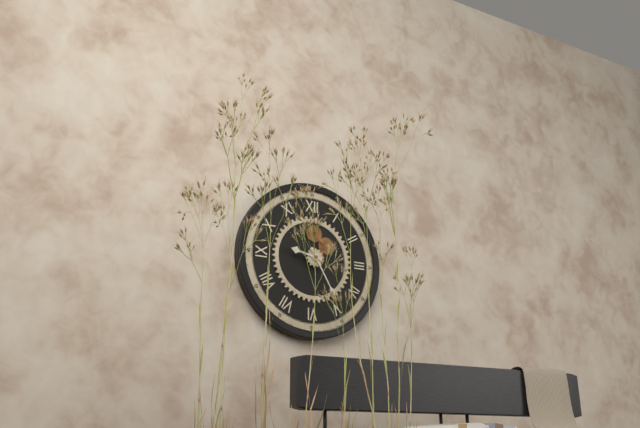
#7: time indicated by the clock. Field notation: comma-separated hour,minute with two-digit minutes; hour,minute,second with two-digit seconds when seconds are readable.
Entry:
9,25
